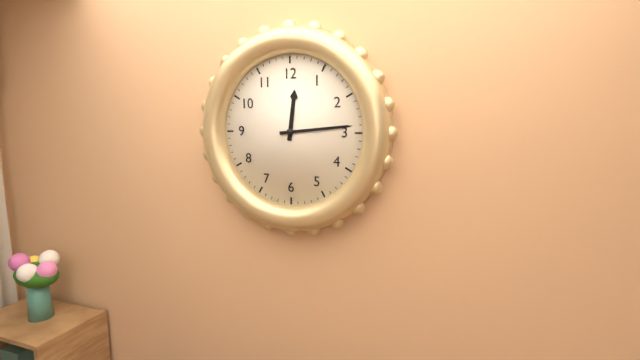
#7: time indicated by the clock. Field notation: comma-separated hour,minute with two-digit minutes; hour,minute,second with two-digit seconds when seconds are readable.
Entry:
12,14
